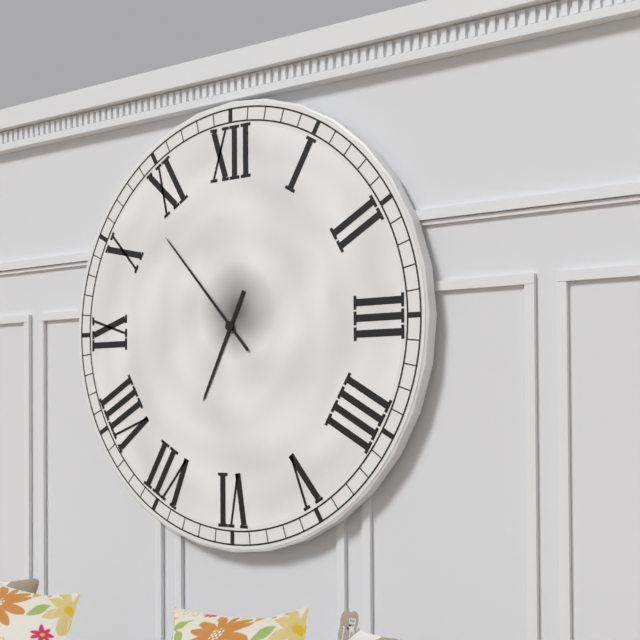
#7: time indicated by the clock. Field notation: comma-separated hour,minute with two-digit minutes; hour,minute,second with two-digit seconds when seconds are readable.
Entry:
6,53
